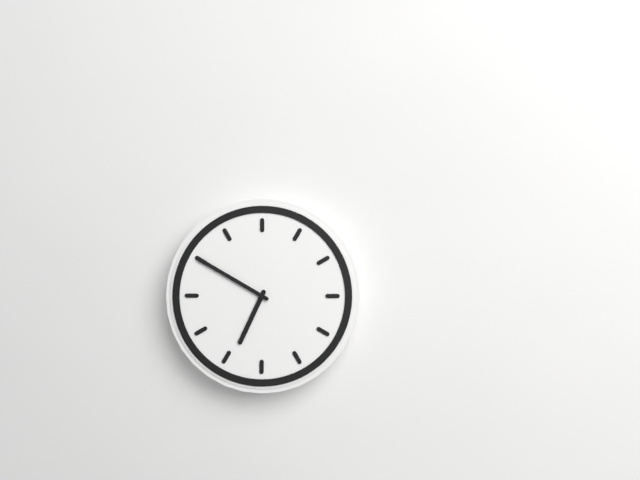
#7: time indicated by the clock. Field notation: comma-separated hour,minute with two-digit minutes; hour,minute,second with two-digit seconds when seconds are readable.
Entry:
6,50
